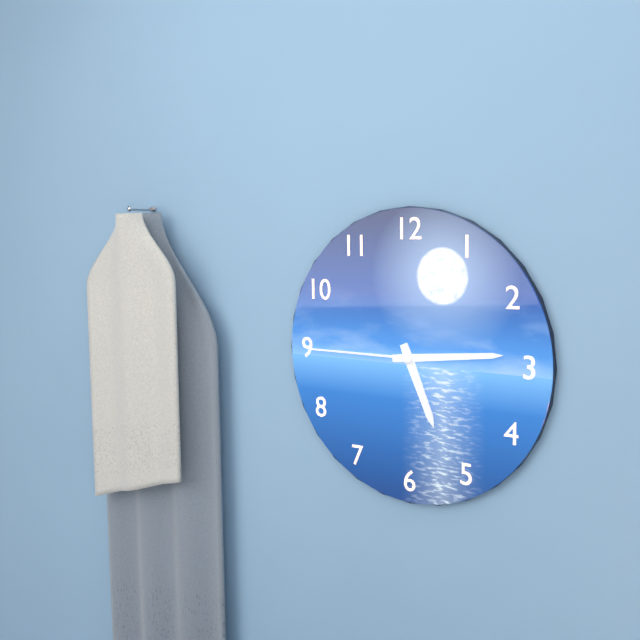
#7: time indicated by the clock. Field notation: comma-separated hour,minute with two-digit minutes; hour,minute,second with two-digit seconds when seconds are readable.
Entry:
5,14,45
